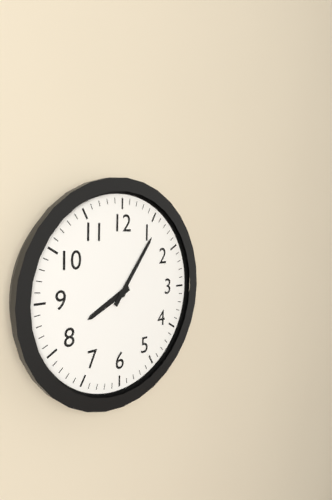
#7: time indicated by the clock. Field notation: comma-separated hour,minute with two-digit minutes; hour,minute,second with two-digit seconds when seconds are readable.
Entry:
8,06
